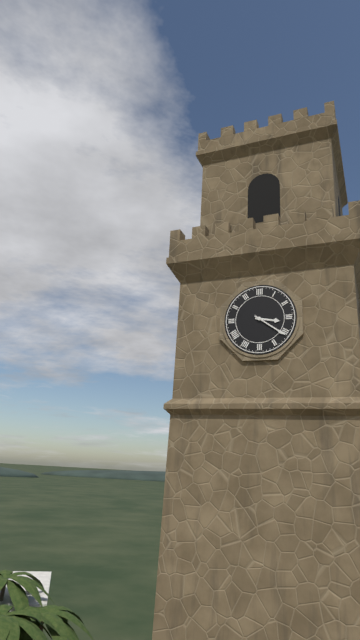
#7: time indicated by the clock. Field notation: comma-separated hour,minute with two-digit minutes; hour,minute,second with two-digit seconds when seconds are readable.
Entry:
3,21
